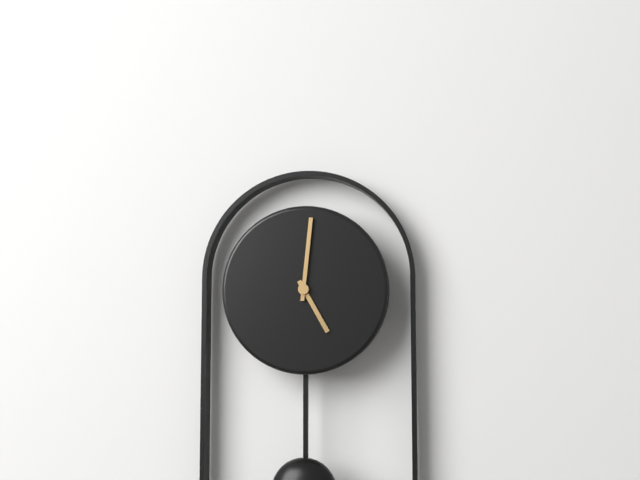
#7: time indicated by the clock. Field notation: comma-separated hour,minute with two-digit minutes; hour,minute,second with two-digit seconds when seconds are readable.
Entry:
5,01
